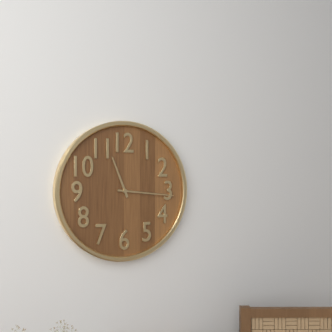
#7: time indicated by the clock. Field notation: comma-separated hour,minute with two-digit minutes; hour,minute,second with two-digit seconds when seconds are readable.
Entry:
11,16
